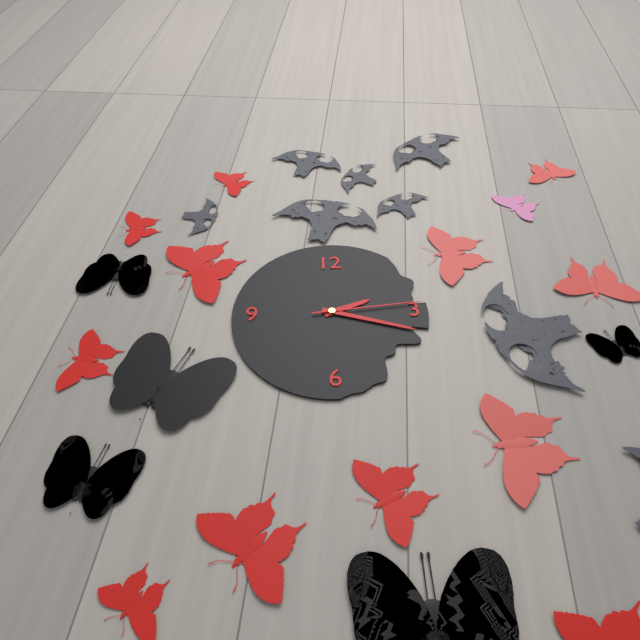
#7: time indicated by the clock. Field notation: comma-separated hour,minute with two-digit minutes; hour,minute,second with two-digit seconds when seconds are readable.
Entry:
2,18,14
